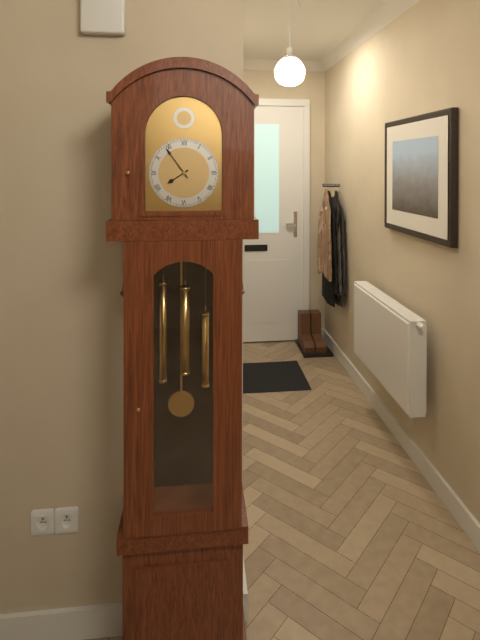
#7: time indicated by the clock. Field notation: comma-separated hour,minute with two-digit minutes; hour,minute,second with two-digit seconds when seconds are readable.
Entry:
7,54
